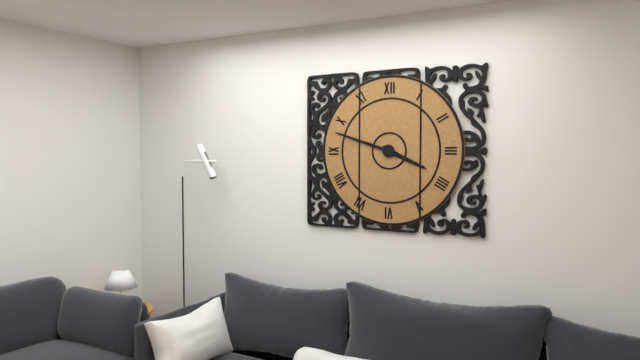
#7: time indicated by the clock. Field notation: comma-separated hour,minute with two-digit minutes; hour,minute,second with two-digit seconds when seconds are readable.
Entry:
3,48
